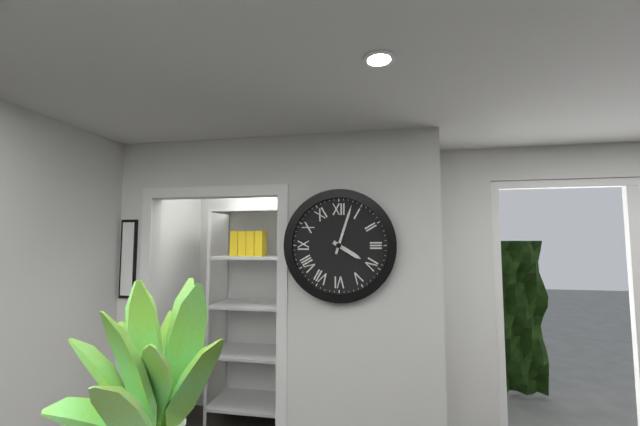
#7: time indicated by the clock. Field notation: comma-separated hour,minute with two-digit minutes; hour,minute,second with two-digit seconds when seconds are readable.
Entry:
4,03
